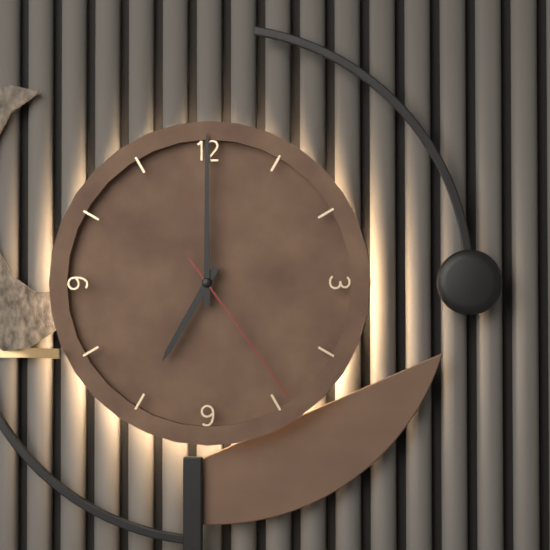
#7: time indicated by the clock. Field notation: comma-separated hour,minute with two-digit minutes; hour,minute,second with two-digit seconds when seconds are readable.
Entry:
7,00,24
